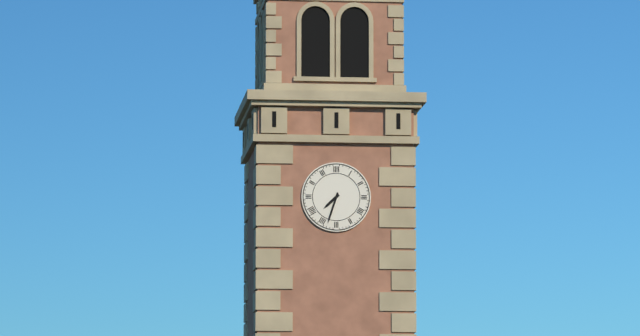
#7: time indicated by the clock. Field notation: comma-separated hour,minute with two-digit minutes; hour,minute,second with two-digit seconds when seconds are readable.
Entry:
7,33
